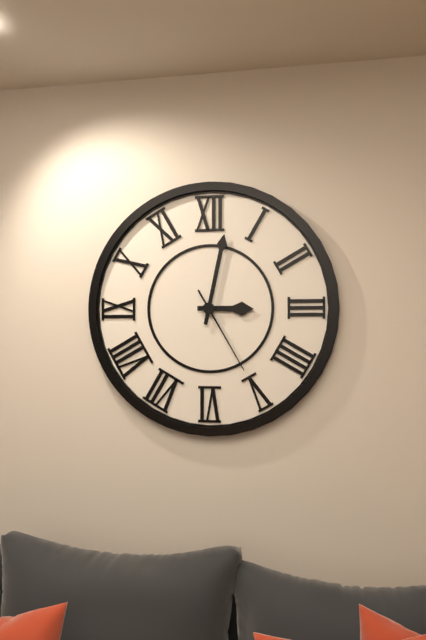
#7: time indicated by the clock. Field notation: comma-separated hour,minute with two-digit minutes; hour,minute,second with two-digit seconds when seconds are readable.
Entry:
3,02,25
